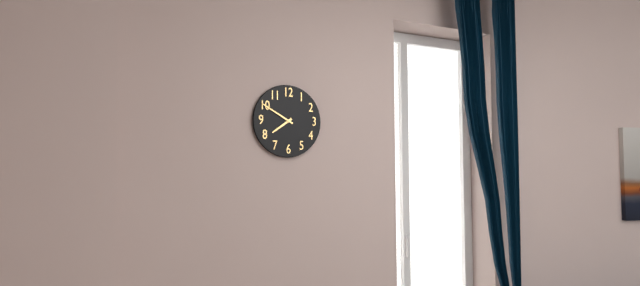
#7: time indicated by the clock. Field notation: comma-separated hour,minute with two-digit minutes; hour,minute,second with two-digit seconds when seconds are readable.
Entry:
7,50
